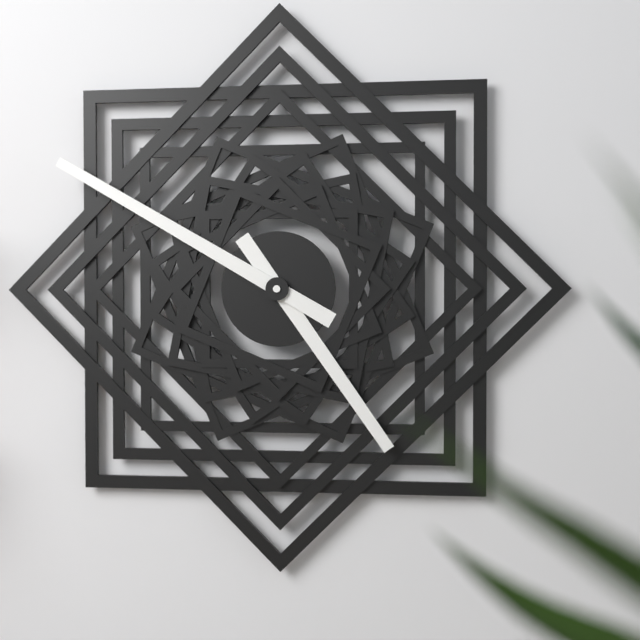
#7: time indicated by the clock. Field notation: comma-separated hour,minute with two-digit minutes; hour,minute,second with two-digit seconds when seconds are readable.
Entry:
4,50
